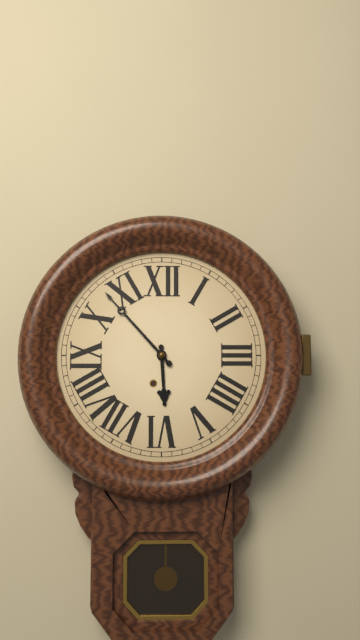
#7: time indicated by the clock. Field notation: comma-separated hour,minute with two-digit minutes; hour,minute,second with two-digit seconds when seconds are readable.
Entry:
5,53
